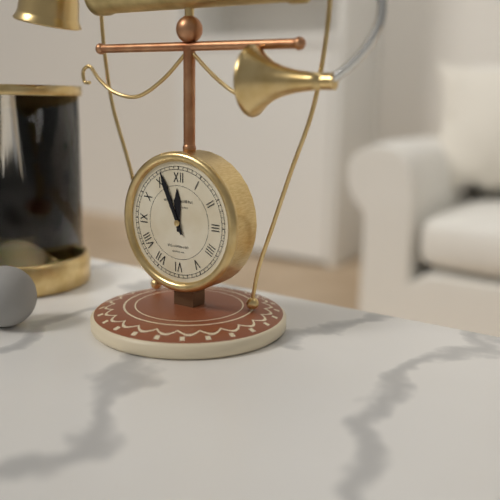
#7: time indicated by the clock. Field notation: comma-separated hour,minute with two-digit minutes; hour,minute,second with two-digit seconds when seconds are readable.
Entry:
11,56
